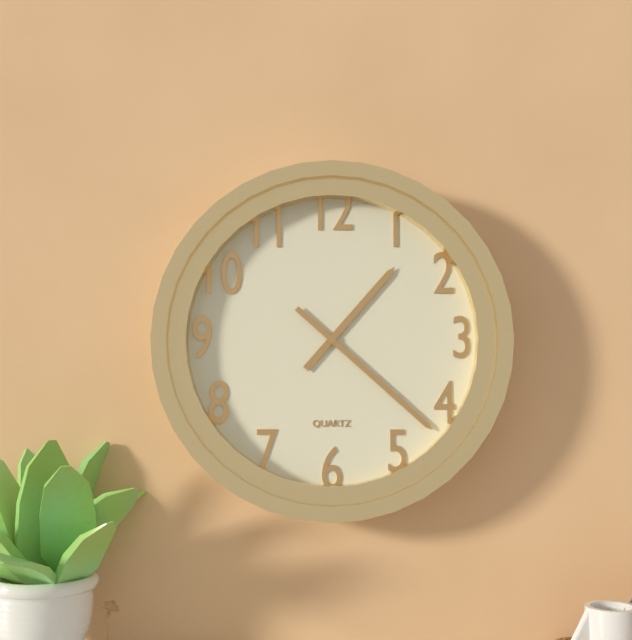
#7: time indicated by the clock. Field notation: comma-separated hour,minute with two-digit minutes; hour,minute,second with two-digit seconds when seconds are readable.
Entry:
1,22
